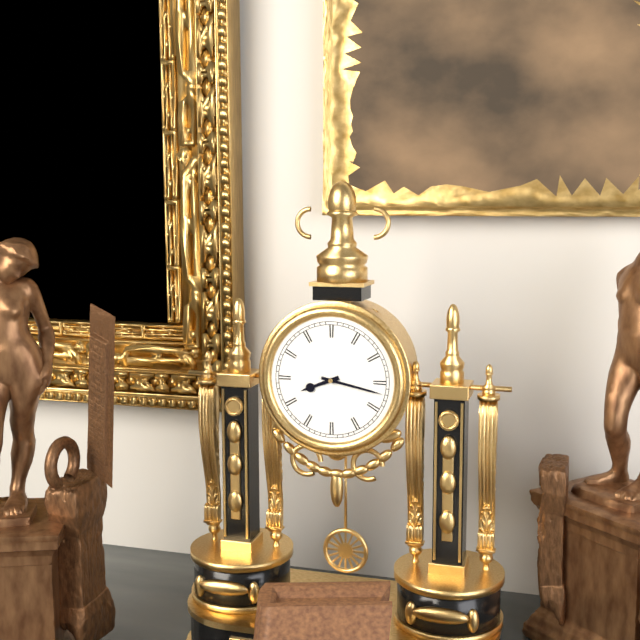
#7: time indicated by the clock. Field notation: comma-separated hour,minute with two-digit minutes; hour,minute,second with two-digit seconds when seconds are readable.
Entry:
8,17
